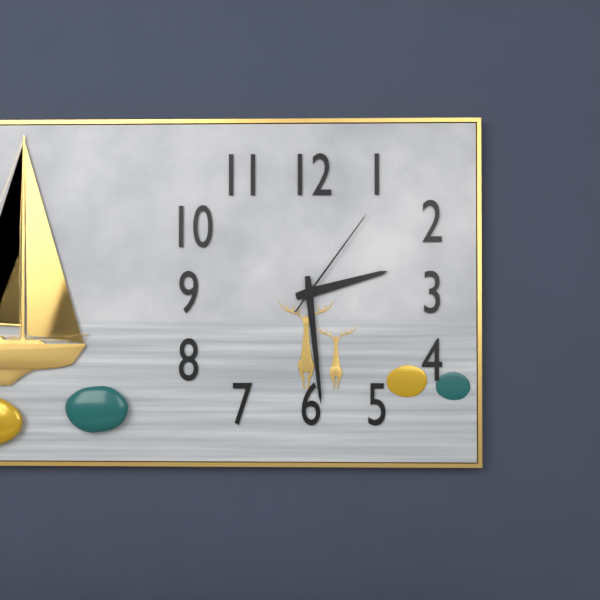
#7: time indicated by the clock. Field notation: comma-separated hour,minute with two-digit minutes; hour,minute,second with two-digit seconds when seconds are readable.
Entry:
2,29,06
